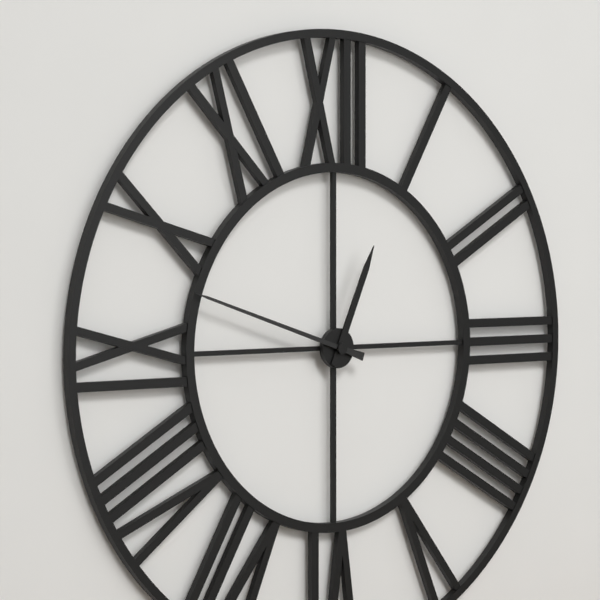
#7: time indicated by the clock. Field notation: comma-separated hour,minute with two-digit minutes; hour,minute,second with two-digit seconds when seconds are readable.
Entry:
12,48
